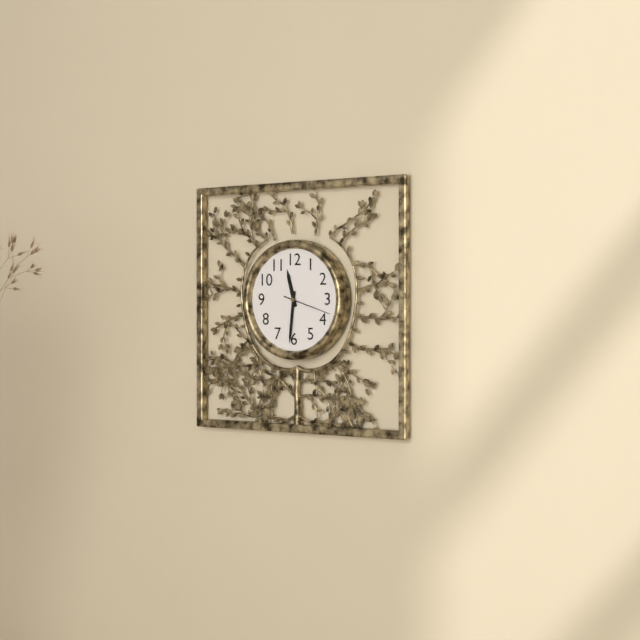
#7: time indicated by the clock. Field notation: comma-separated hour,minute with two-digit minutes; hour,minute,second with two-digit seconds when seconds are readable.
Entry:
11,31
